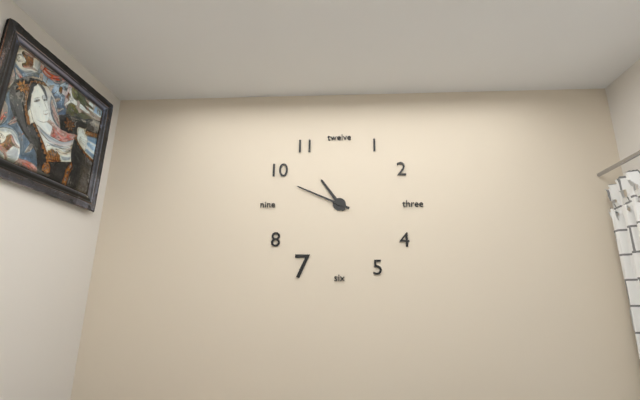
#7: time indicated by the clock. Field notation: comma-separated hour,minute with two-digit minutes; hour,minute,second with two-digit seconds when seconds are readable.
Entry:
10,49
